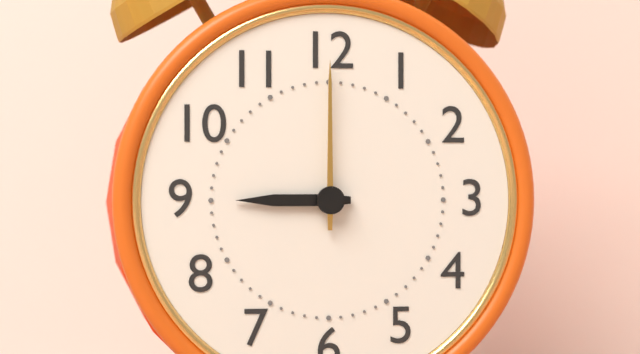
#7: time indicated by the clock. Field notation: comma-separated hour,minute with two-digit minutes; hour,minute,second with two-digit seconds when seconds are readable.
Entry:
9,00
